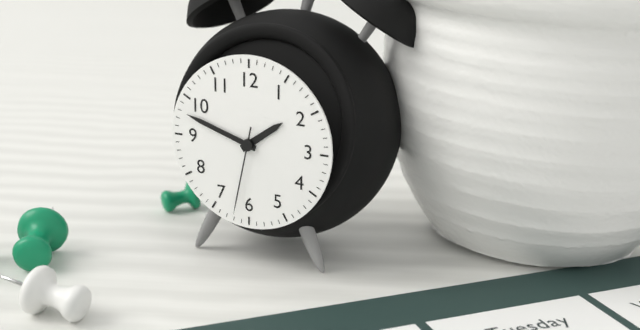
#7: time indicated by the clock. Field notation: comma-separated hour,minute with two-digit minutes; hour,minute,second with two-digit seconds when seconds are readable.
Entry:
1,48,32
